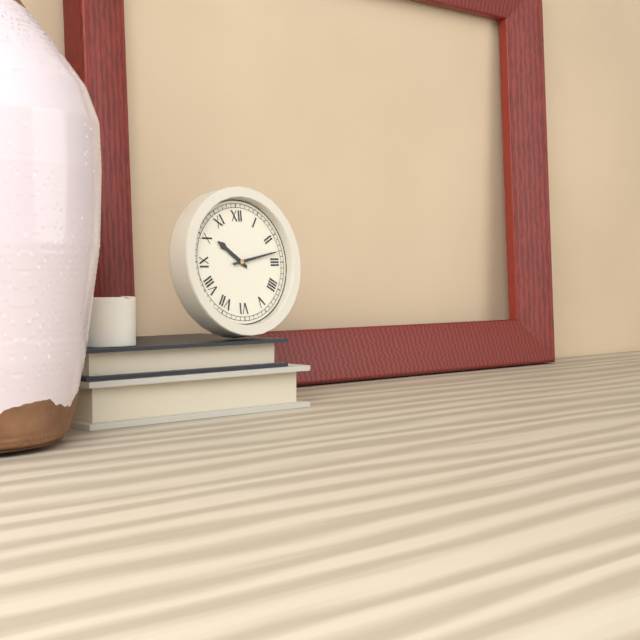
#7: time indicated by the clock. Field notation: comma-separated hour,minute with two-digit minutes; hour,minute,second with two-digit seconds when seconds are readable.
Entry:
10,13
